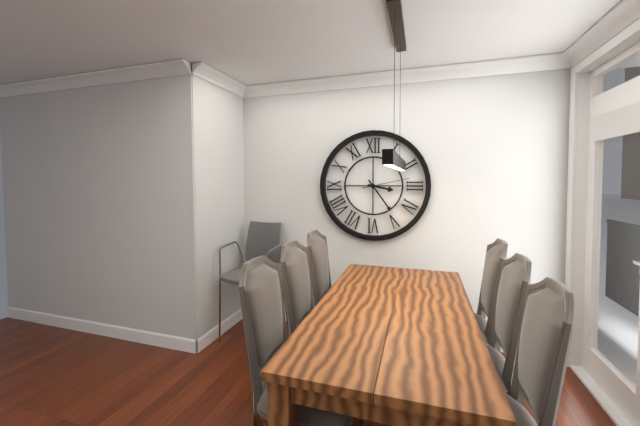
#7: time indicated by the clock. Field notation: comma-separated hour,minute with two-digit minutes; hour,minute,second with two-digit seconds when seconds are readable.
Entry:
3,24
